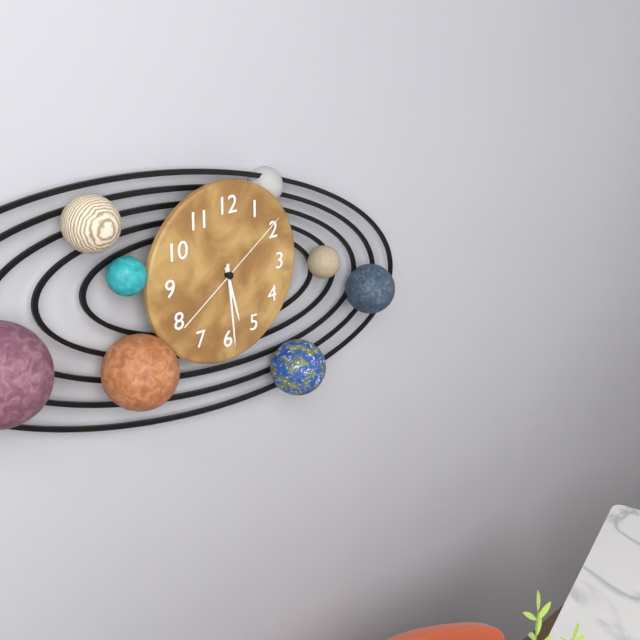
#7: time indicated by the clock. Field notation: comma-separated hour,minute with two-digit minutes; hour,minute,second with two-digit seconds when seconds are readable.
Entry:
5,29,09
